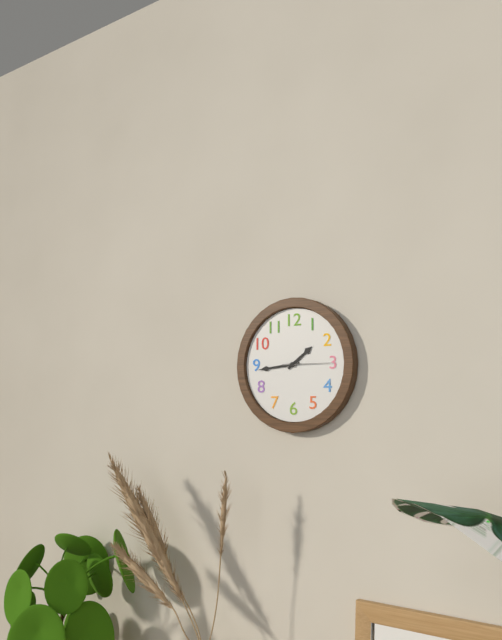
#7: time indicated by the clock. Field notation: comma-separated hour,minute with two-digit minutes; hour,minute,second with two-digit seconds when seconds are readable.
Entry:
1,44
